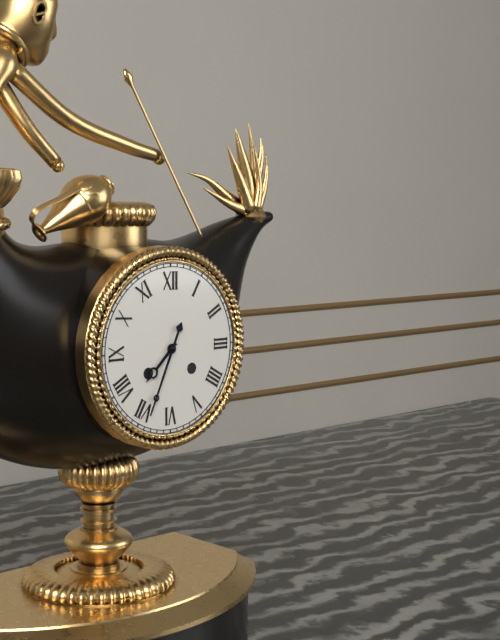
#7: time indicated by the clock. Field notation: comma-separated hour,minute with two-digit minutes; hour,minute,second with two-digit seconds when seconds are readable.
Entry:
7,34
